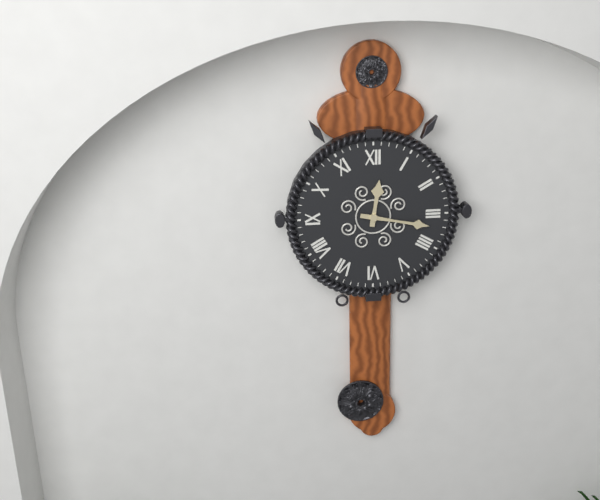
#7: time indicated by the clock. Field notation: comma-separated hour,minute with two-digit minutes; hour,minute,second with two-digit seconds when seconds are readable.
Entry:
12,17
